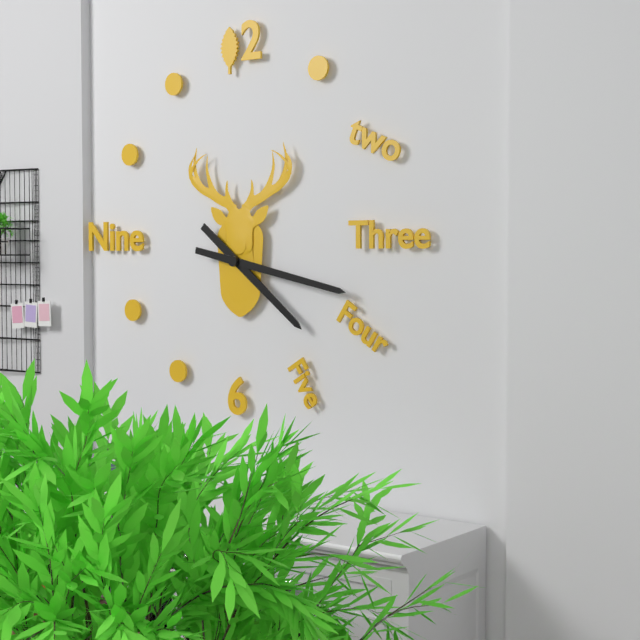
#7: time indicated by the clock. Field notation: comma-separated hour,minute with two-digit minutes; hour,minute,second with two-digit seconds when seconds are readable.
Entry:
4,17
